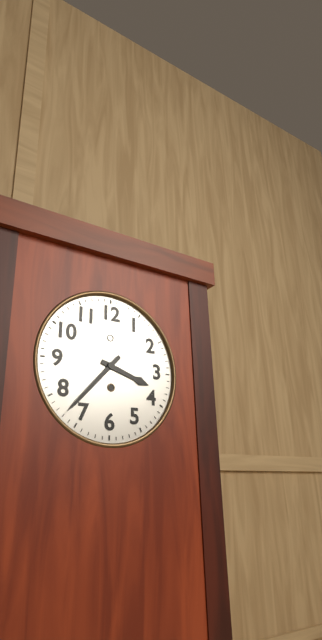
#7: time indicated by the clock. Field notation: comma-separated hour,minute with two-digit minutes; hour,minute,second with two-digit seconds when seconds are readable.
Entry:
3,37
